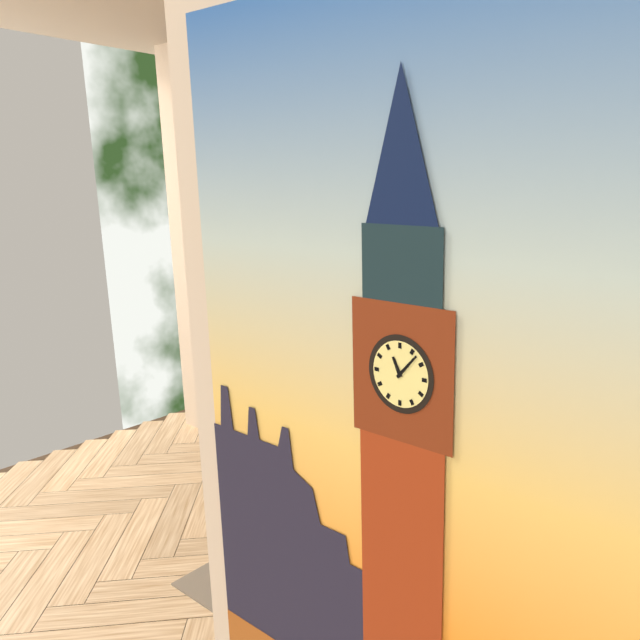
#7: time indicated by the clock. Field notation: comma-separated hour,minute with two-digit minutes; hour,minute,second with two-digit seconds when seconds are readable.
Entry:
11,07
